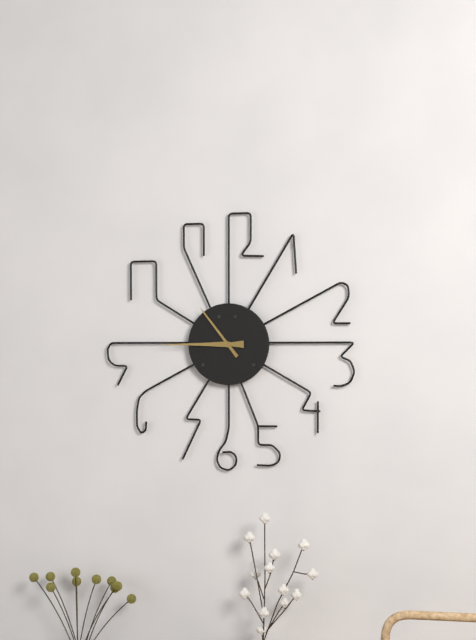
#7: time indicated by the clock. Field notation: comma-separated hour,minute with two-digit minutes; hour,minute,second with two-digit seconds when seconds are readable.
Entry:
10,45
